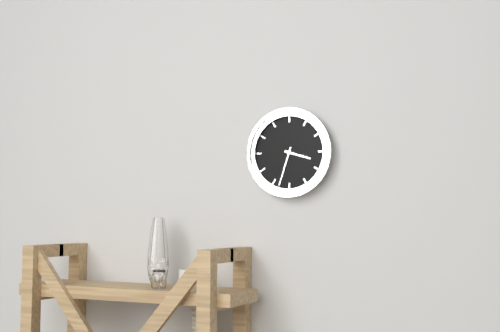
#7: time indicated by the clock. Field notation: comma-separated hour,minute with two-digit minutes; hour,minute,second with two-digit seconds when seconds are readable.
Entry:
3,33
